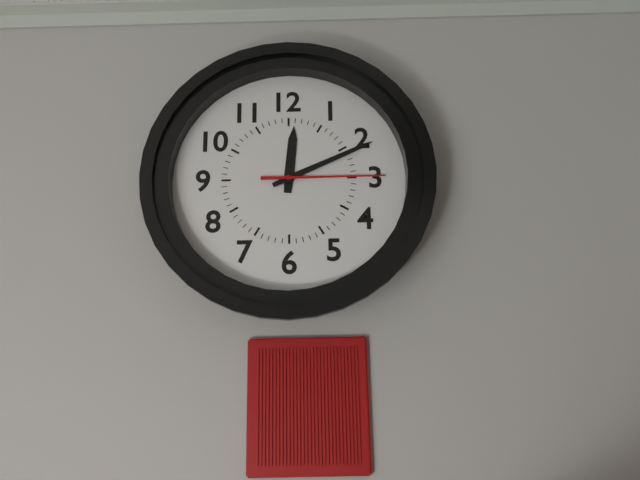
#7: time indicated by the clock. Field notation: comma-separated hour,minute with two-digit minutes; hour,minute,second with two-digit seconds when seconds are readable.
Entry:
12,11,15
